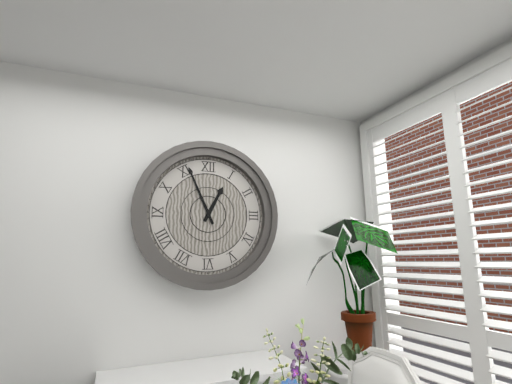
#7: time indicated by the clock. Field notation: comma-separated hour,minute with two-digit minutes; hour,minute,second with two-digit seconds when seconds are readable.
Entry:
12,56
